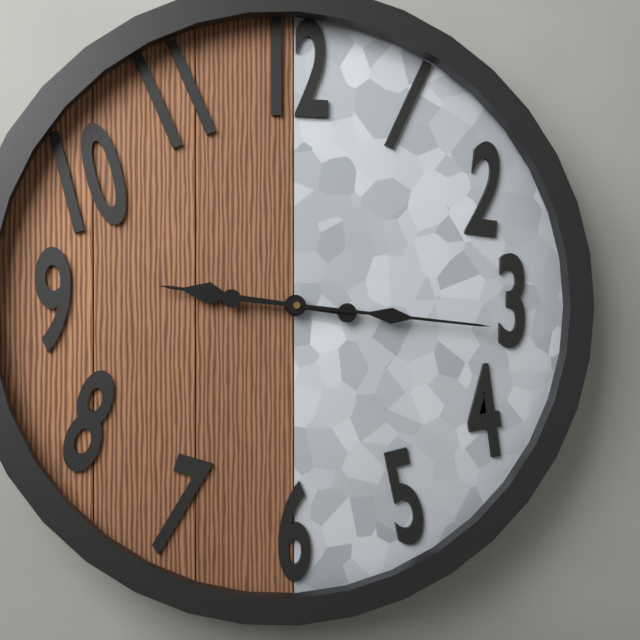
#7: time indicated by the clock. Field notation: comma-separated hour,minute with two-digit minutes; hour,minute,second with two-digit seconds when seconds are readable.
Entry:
9,16
